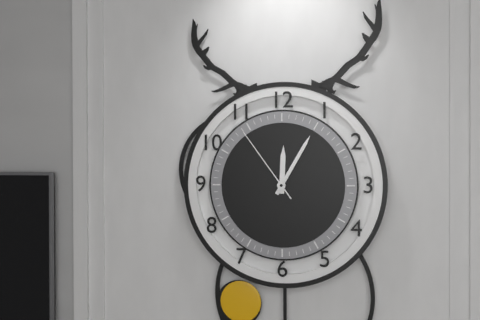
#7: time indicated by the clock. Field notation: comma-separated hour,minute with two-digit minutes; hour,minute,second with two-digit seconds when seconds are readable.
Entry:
12,05,54
